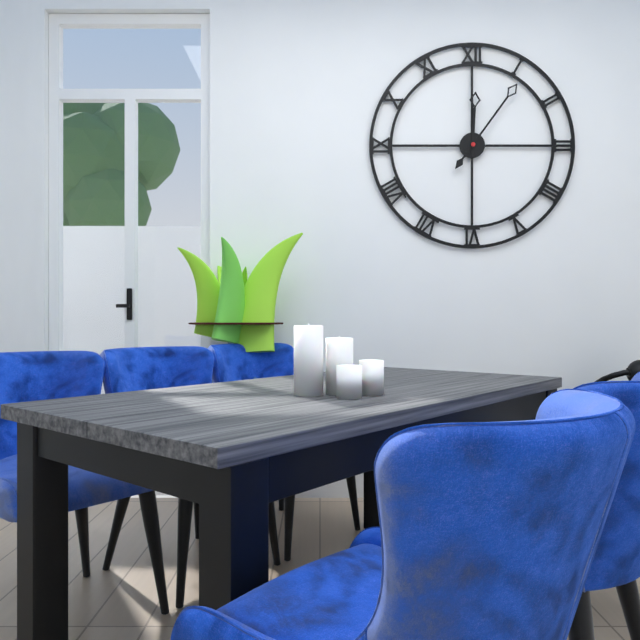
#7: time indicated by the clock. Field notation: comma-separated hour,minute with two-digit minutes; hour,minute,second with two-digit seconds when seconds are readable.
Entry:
12,06
